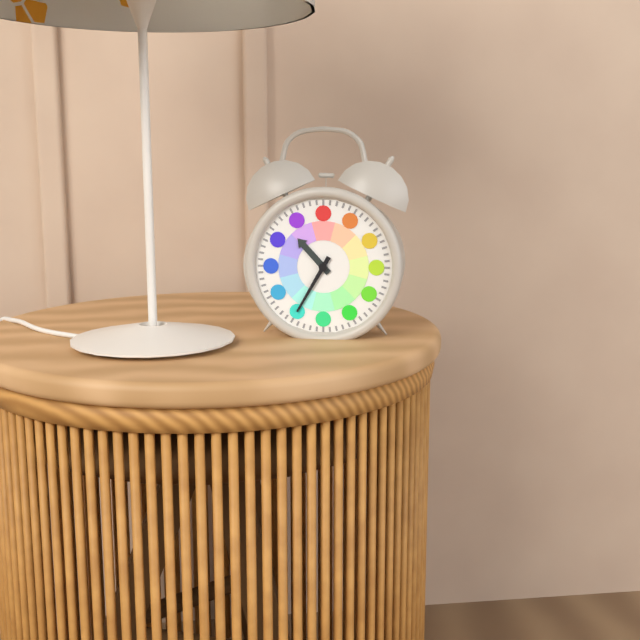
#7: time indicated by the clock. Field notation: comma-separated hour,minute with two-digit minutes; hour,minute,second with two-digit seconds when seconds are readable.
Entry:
10,35
